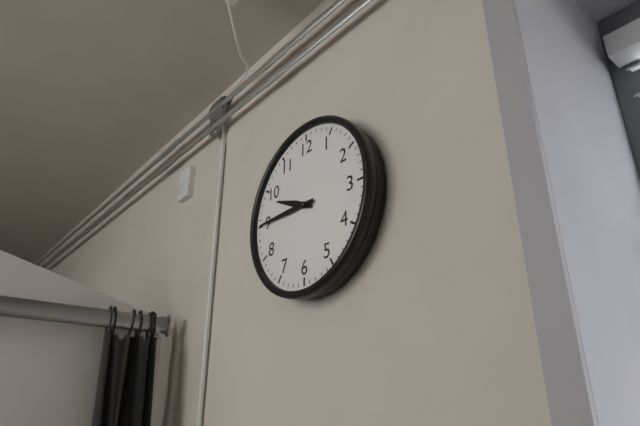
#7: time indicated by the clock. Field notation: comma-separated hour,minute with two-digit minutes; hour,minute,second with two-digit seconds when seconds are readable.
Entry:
9,45
